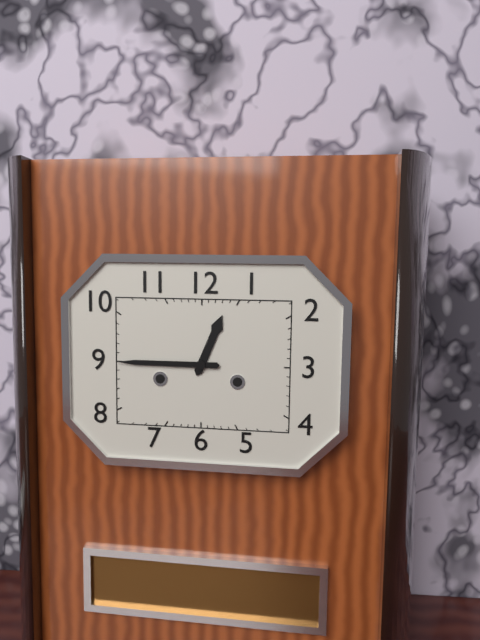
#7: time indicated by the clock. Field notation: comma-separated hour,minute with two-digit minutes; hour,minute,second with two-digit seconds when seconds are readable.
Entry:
12,45
